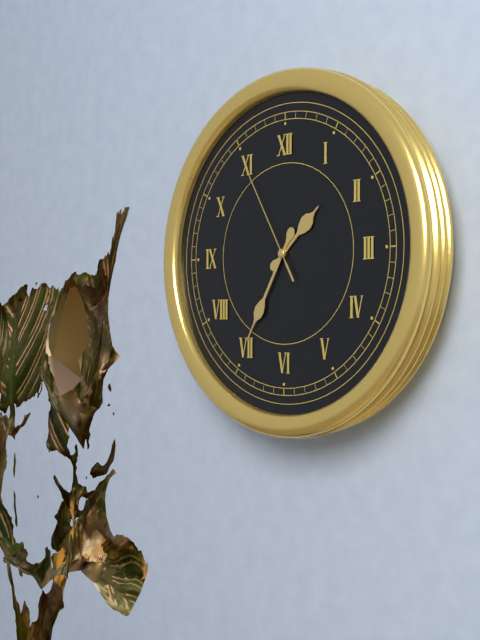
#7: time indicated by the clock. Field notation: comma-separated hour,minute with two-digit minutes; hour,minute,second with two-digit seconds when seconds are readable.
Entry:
1,35,55
